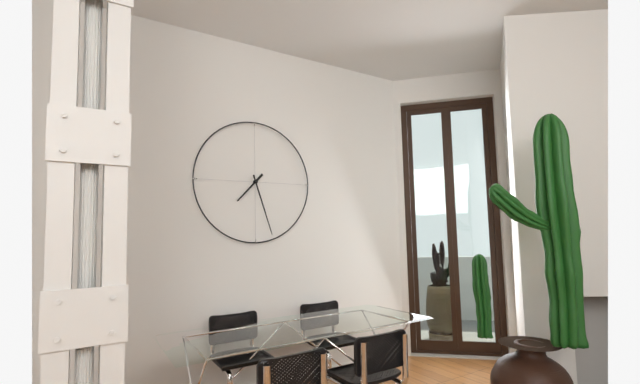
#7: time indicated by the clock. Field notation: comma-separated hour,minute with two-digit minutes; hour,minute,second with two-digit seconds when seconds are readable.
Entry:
7,27
